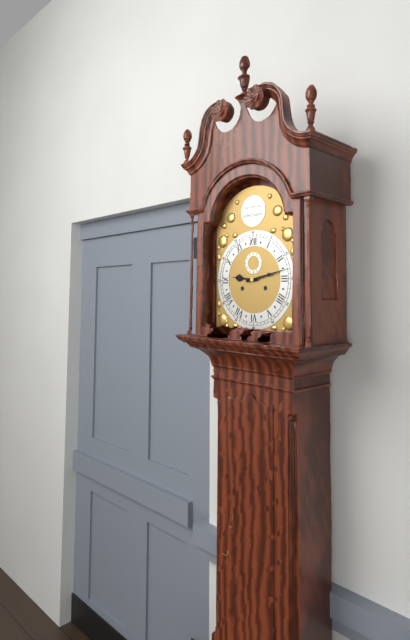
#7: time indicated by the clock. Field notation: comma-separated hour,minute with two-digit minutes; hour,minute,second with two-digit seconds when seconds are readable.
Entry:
9,13
